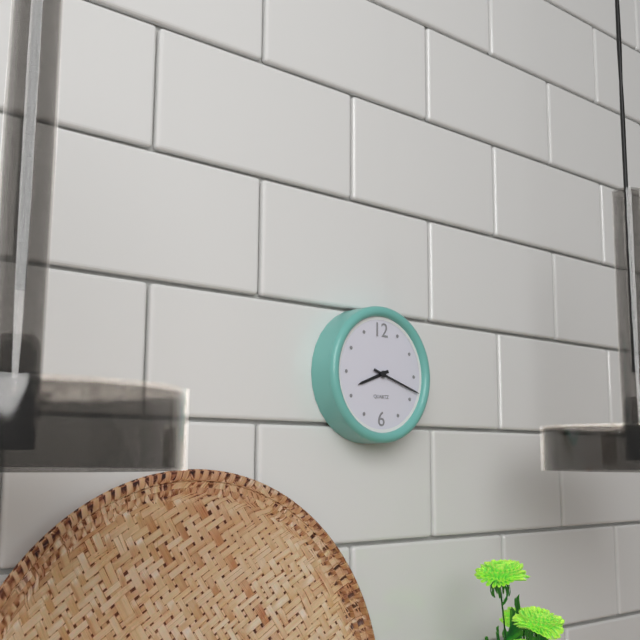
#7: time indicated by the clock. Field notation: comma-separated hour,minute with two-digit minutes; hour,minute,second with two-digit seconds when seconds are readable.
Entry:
8,18
